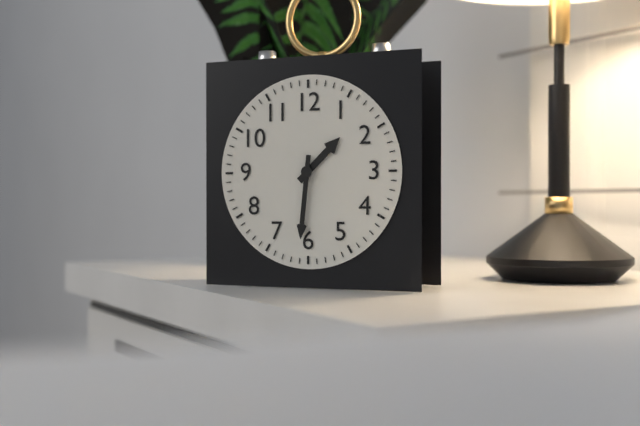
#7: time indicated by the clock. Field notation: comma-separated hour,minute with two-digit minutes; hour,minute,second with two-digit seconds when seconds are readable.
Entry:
1,31
